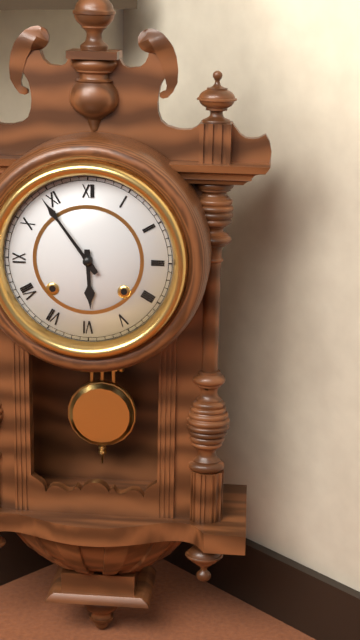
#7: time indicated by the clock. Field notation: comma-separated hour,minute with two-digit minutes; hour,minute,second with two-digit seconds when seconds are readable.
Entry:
5,54
